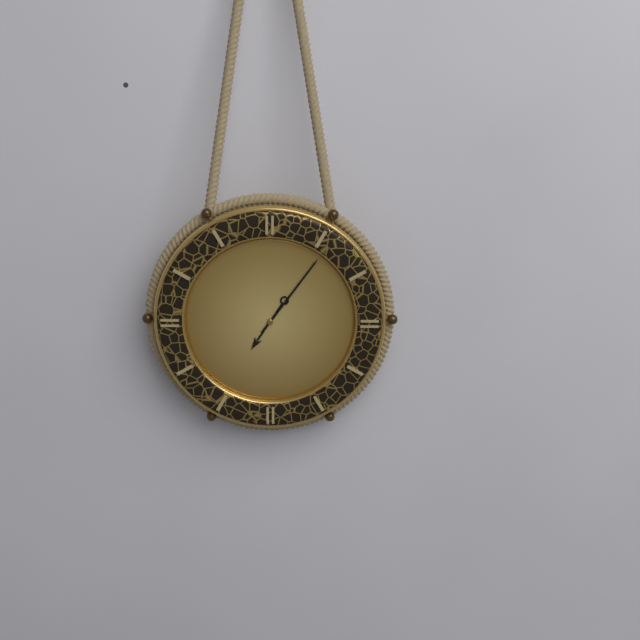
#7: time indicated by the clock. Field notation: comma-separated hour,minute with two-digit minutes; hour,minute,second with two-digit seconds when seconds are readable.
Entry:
7,06
